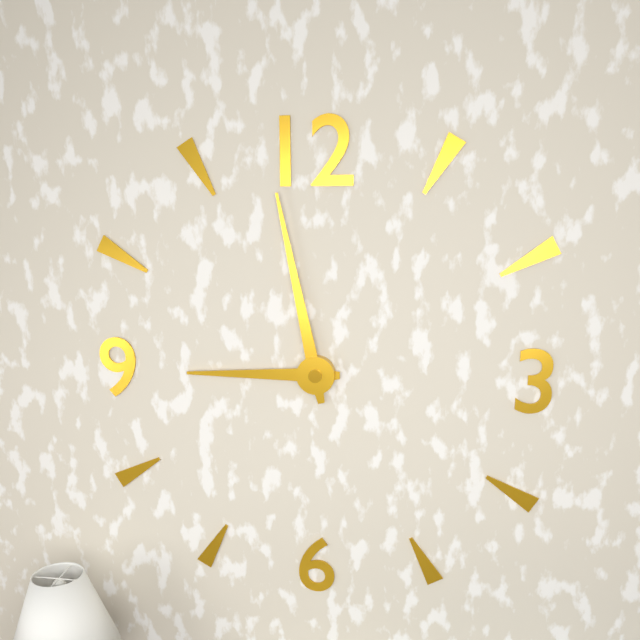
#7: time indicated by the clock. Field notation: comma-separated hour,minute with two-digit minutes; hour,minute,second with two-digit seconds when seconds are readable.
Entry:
8,58
